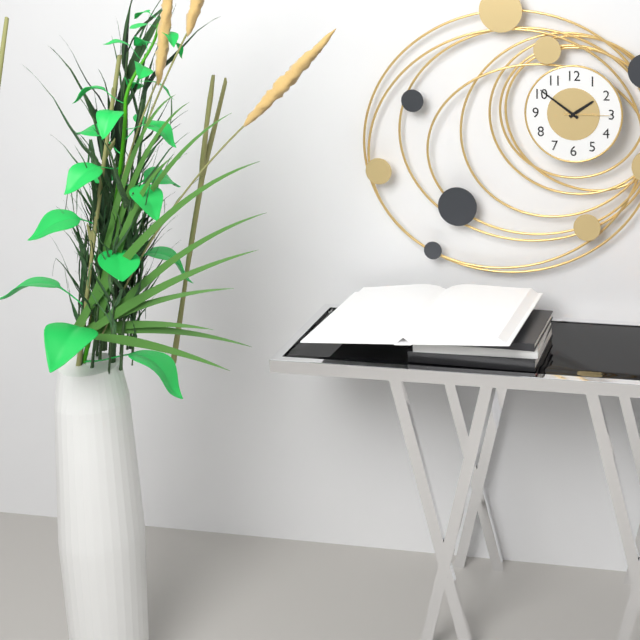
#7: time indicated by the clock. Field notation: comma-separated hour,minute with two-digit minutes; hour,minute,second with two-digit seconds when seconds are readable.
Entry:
1,51
